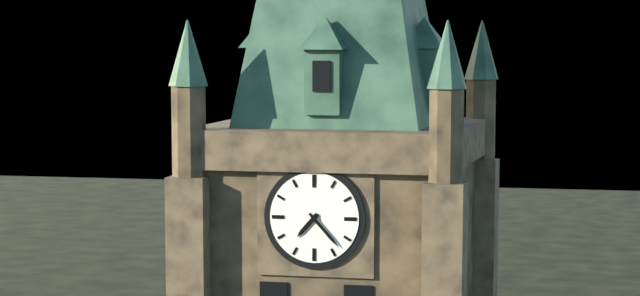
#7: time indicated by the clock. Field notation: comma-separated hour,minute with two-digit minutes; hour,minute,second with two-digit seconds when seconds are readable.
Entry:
7,23
